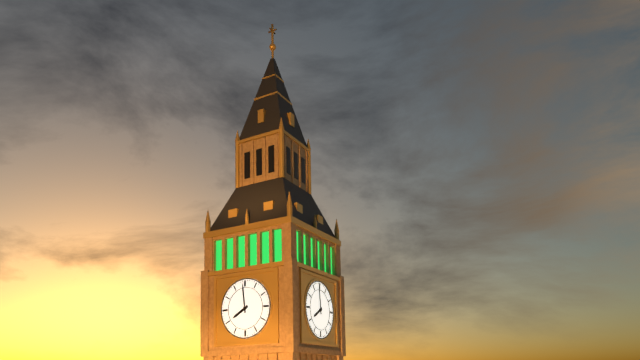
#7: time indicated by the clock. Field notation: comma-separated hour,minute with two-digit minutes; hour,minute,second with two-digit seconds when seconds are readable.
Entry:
7,59
